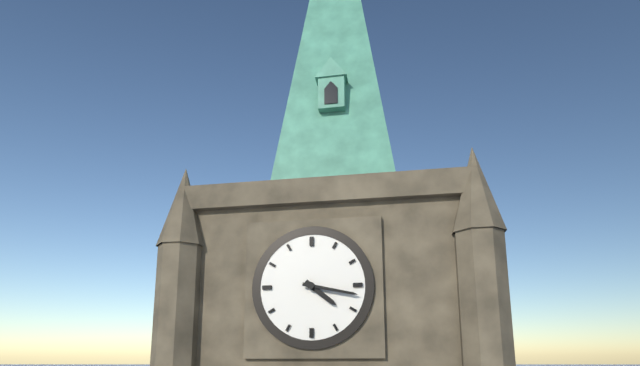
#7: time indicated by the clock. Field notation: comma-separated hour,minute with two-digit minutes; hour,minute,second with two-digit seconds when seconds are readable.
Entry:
4,17
